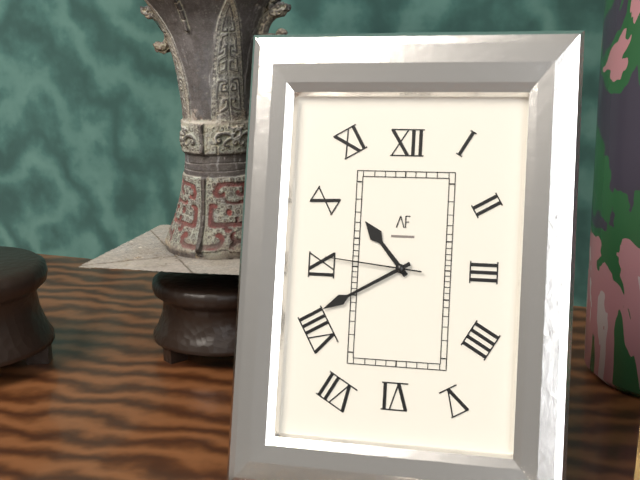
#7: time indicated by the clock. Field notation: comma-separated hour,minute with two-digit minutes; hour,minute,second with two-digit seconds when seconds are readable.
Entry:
10,40,46
